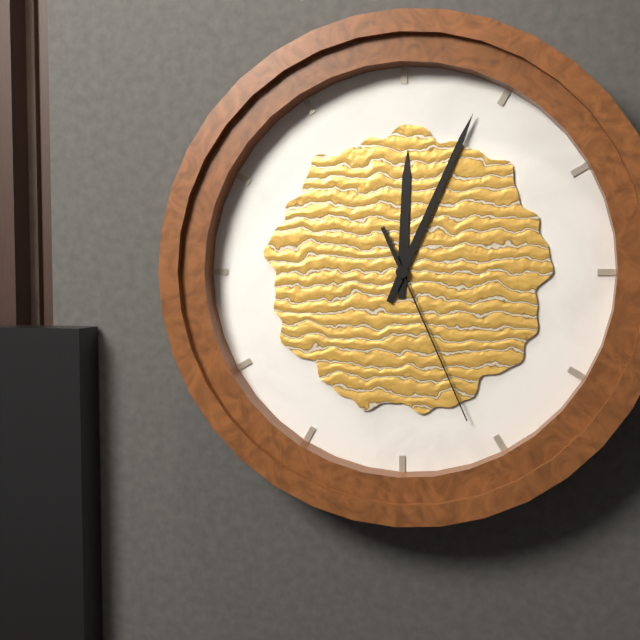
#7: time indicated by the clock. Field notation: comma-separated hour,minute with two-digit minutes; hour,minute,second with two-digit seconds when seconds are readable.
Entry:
12,04,26
